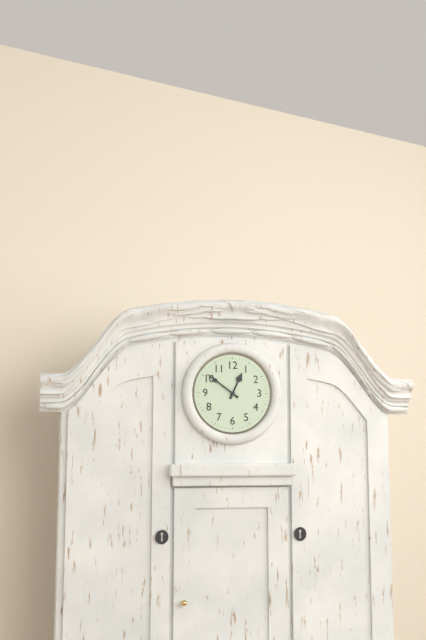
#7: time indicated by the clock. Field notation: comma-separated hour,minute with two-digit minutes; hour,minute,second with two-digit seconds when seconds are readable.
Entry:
12,51
